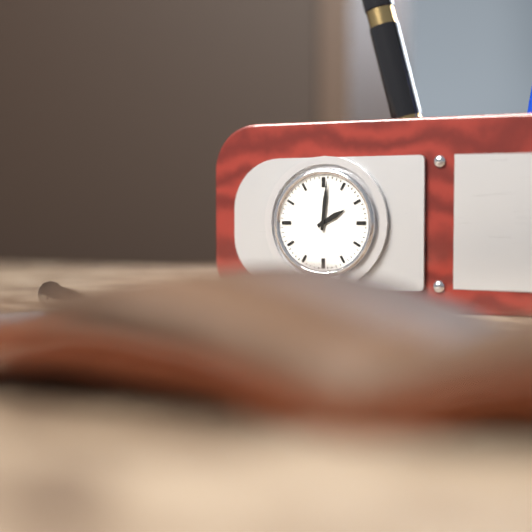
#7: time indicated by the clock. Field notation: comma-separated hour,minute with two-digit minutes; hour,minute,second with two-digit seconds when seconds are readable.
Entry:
2,01
